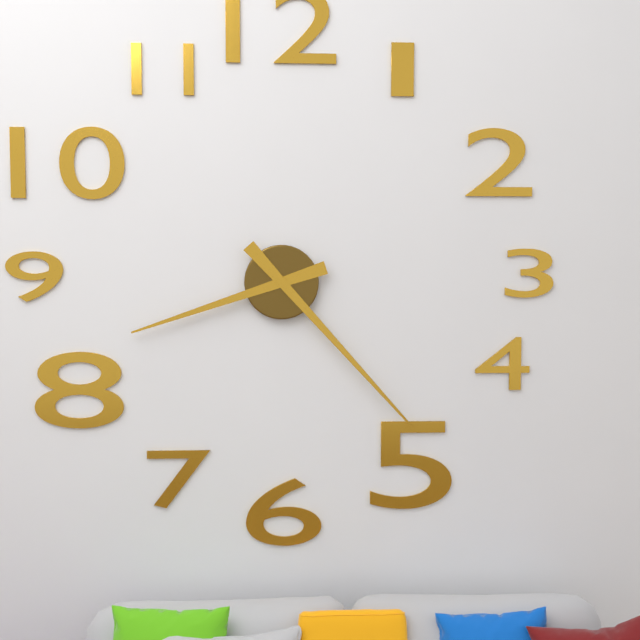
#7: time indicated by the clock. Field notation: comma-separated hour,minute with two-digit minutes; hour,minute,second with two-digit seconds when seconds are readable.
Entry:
8,23
